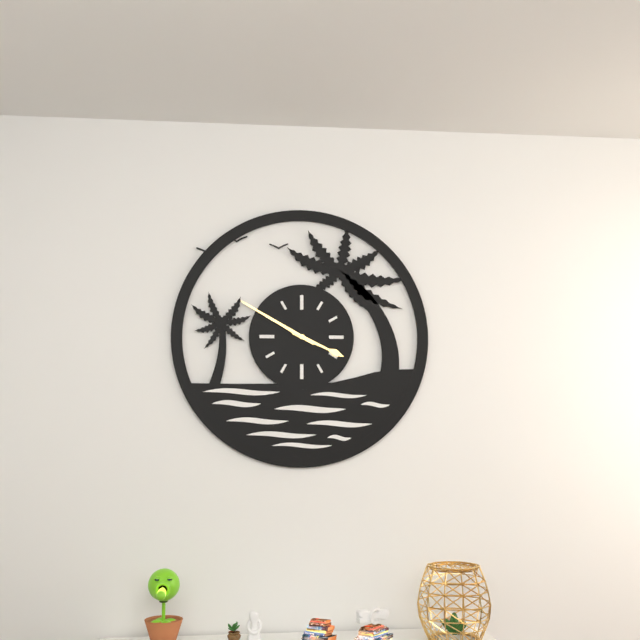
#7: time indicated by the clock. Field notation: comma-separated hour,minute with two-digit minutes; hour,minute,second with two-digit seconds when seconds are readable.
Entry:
3,50
